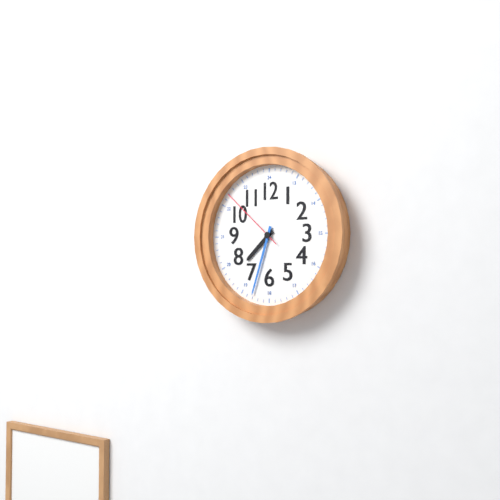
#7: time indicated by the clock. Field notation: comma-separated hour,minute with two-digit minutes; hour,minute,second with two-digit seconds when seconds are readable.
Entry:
7,33,52
